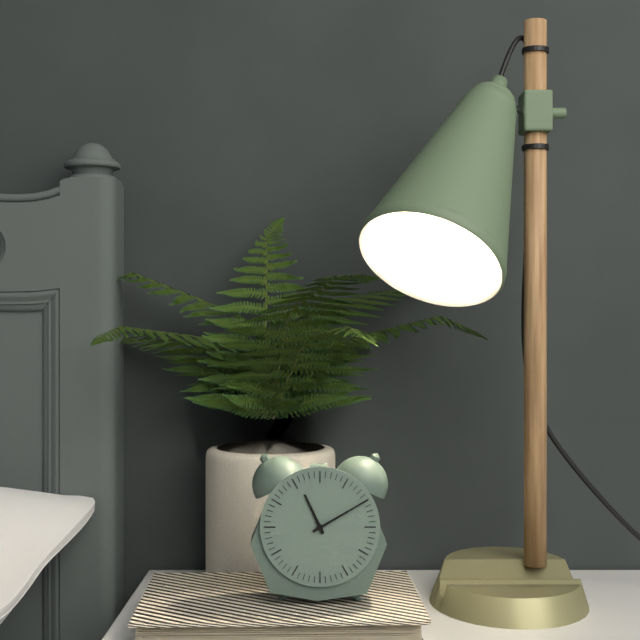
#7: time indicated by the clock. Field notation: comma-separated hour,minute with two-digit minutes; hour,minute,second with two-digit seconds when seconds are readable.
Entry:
11,10
